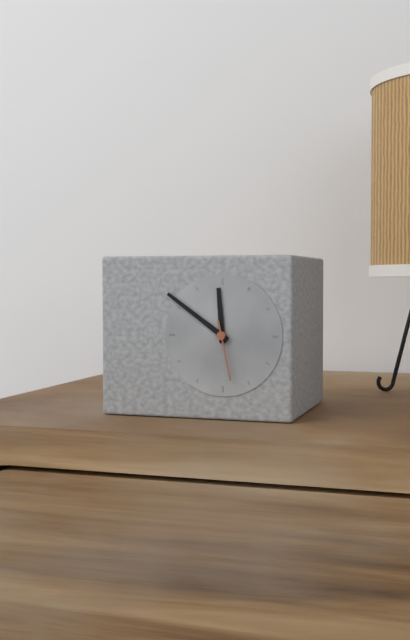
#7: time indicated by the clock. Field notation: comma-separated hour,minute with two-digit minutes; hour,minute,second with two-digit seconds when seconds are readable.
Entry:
11,51,28
